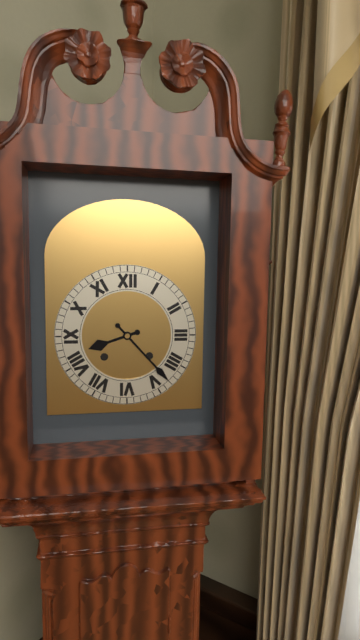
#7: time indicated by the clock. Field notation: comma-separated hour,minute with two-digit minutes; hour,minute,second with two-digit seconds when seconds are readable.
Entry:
8,23
